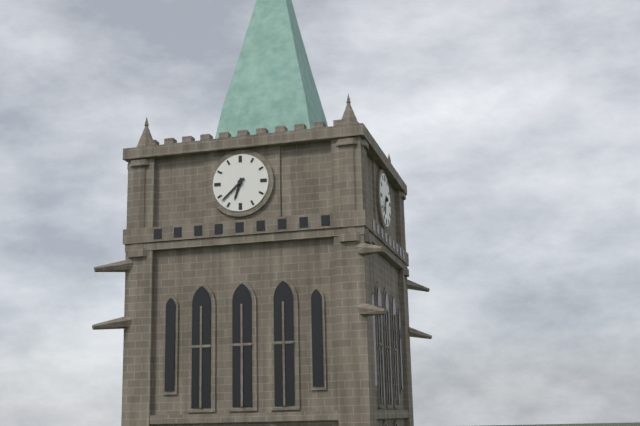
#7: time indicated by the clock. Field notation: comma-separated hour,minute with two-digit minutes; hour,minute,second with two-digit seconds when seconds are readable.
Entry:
6,38
